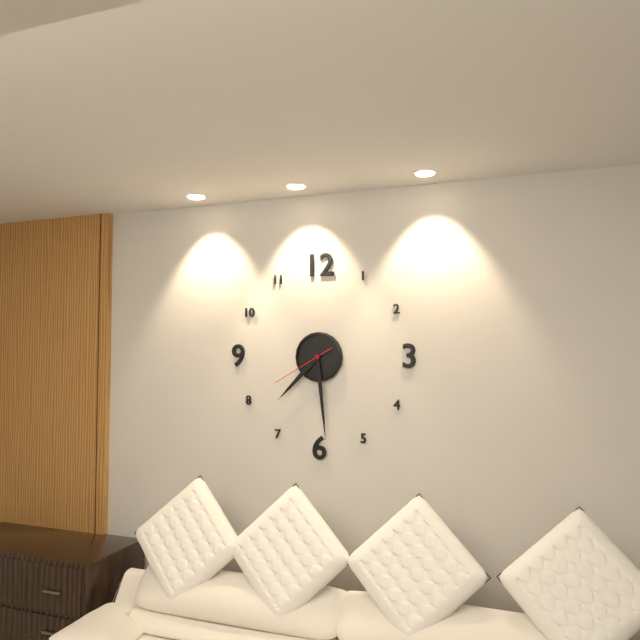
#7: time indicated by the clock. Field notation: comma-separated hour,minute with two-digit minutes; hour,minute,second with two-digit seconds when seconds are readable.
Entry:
7,29,40
